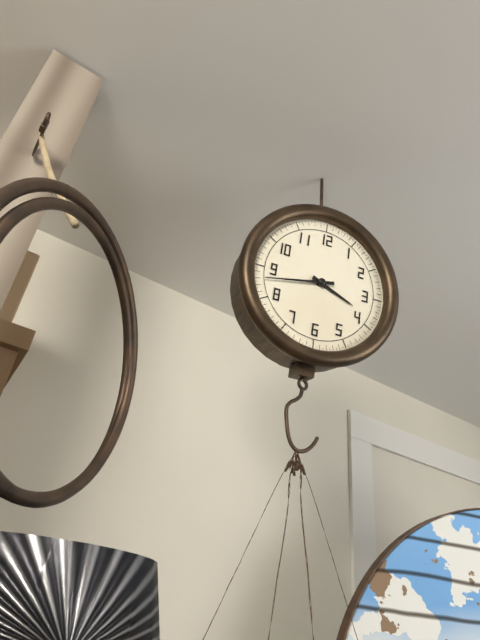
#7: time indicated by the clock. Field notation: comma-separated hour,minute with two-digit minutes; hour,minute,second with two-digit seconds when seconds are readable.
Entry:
3,43
